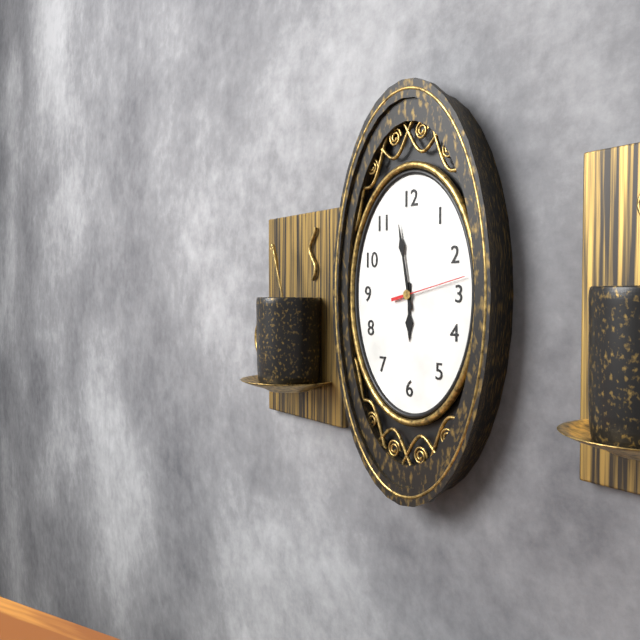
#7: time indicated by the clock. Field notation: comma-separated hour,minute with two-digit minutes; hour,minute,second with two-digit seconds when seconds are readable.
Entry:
5,58,13
